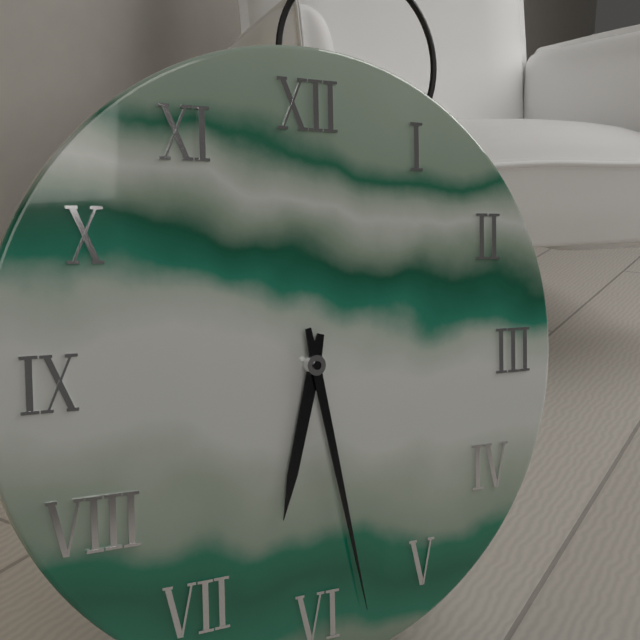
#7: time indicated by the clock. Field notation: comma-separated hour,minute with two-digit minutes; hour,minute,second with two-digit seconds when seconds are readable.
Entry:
6,28
